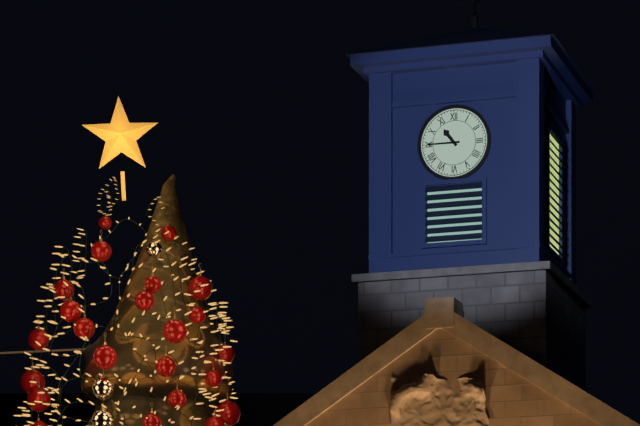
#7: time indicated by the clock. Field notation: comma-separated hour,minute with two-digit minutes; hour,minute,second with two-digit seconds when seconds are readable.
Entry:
10,45
